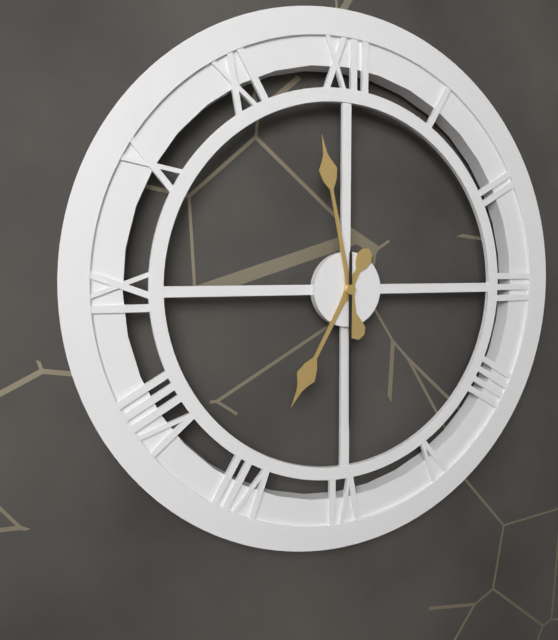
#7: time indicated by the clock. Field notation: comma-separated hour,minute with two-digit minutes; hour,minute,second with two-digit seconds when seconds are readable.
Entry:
6,58,30
